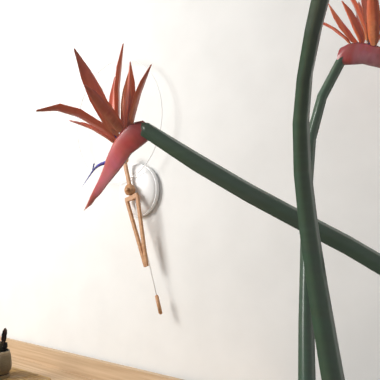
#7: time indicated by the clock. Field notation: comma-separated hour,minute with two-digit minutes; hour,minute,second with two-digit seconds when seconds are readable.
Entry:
5,27
